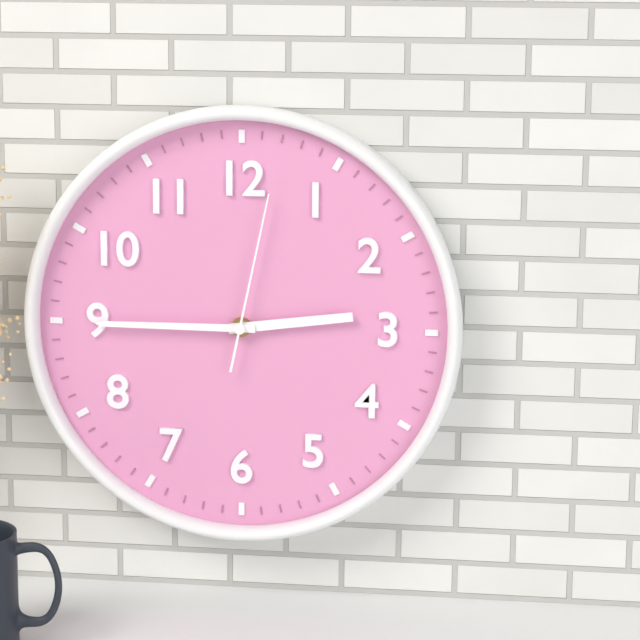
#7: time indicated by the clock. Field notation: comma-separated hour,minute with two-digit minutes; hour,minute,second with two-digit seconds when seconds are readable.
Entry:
2,45,02
